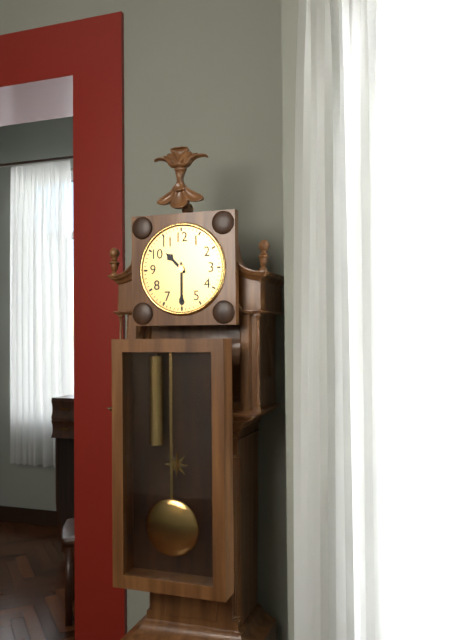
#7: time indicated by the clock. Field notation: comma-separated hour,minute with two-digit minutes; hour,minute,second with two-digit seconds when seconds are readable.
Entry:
10,30
